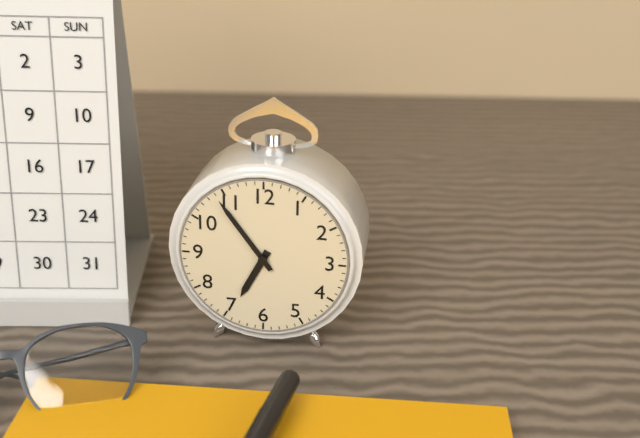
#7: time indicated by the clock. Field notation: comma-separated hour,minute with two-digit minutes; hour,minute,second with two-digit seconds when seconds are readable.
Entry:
6,54
